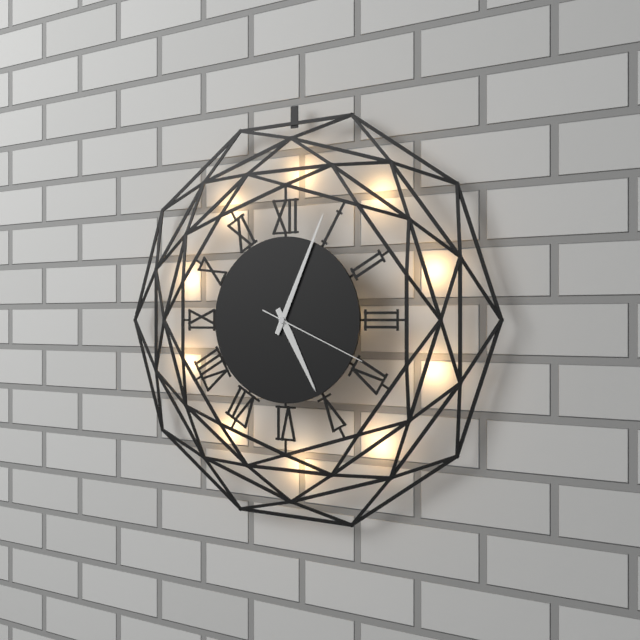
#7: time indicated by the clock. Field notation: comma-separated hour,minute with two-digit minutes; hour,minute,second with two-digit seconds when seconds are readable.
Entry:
5,04,19
